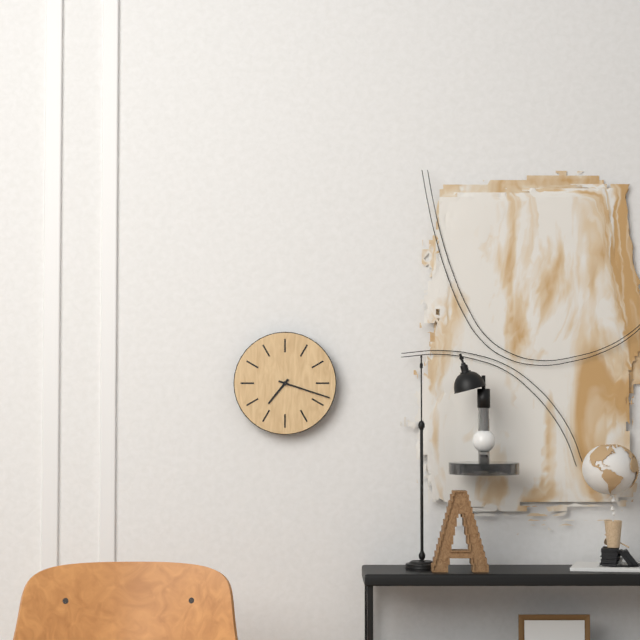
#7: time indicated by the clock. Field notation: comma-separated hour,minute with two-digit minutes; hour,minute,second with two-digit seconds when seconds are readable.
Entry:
7,18
